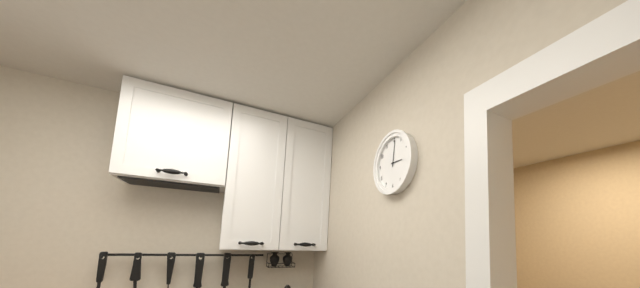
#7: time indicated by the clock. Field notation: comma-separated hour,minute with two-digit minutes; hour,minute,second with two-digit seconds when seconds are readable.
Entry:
3,01
